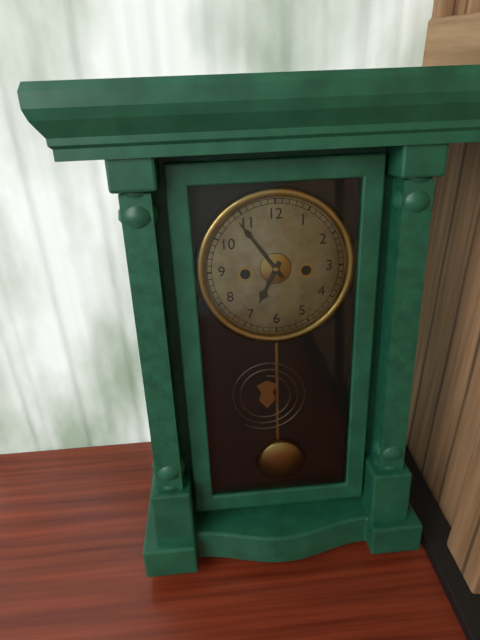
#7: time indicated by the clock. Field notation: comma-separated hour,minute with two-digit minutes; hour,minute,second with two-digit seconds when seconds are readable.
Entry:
6,54
